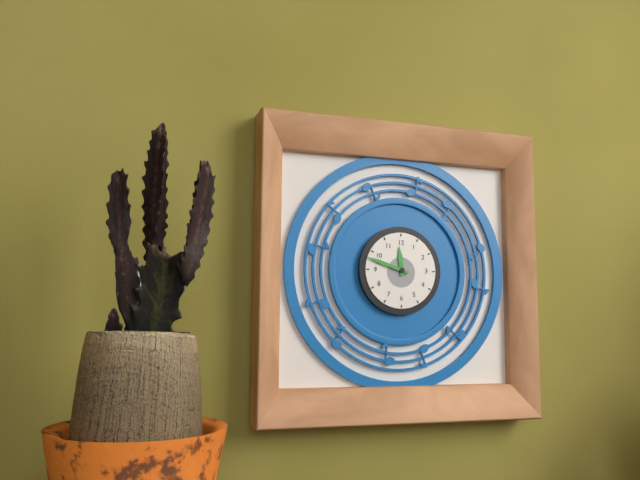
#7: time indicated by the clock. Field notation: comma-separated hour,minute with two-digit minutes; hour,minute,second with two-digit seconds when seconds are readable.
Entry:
11,48
